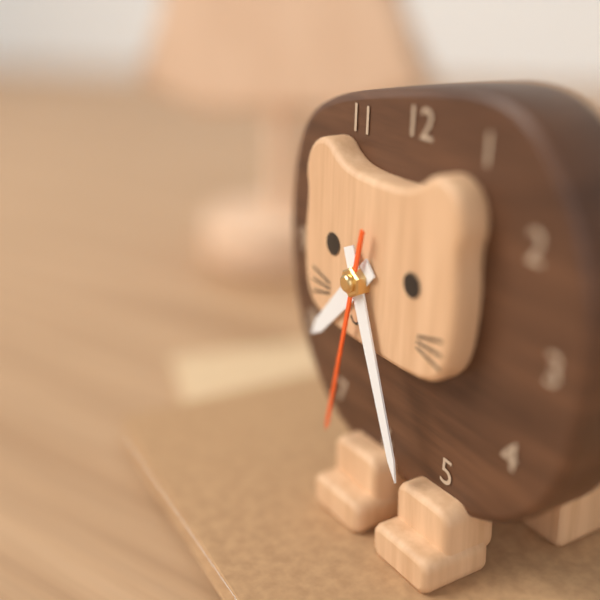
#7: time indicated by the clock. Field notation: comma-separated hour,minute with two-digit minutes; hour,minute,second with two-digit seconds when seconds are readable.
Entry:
7,26,32
